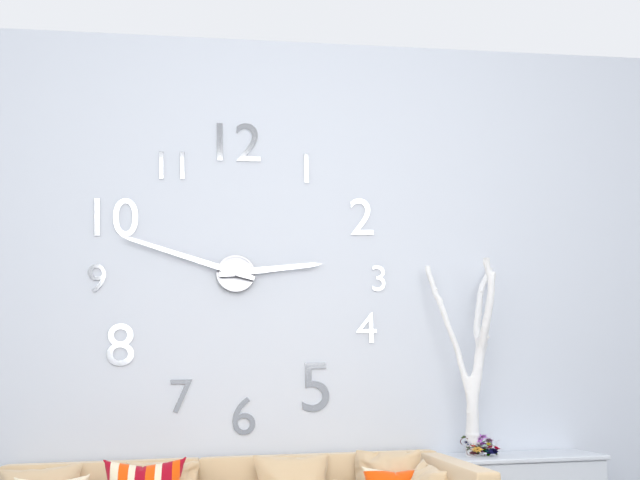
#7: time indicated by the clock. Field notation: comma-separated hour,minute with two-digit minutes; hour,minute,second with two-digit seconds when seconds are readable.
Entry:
2,48
